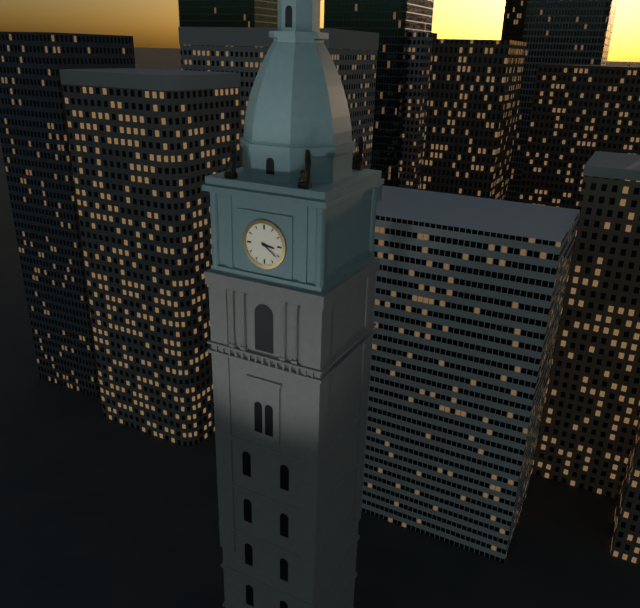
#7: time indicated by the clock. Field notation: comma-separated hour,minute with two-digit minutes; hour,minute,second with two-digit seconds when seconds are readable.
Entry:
3,21
